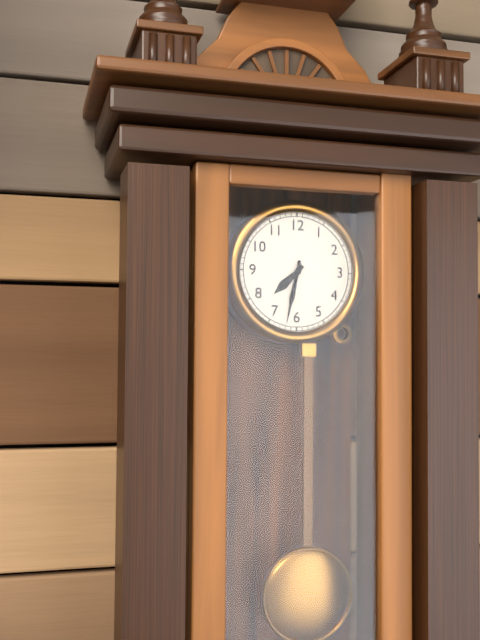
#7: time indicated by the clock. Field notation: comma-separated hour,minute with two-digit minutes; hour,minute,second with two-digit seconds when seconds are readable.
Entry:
7,32
